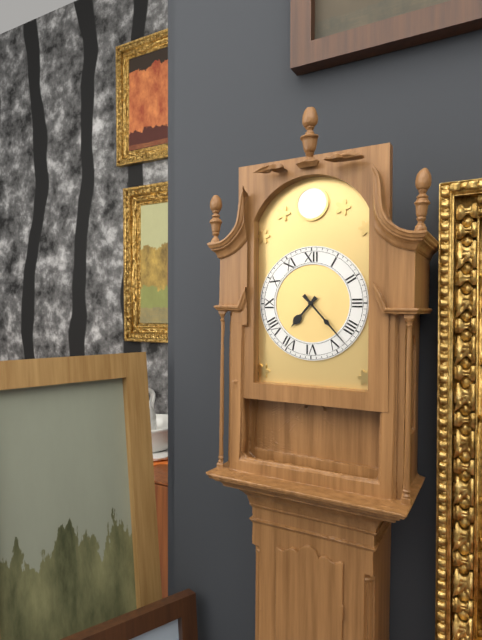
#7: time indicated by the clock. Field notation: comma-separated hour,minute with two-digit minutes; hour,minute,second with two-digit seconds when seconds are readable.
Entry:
7,23
